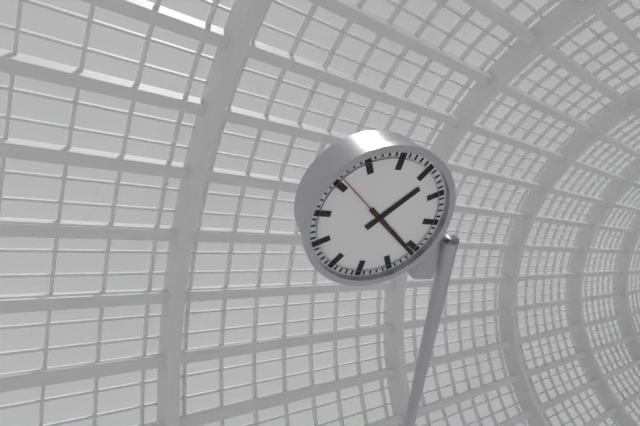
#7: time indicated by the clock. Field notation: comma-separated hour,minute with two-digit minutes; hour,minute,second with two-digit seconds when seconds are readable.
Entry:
1,21,51
